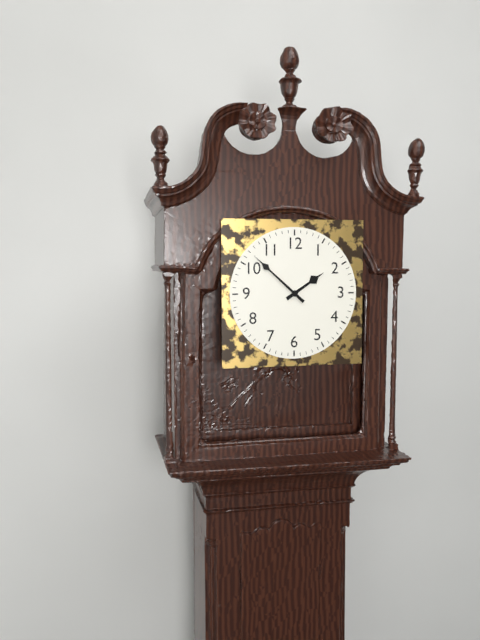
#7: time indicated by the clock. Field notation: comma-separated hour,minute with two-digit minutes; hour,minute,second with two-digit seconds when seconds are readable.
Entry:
1,52
